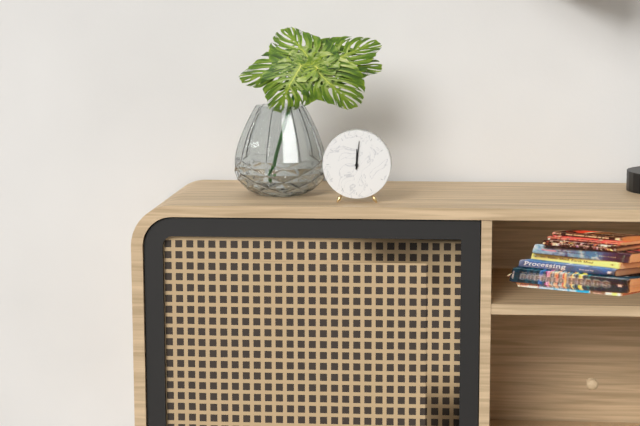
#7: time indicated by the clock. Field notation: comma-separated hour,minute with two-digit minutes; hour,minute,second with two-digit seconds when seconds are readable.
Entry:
12,01
